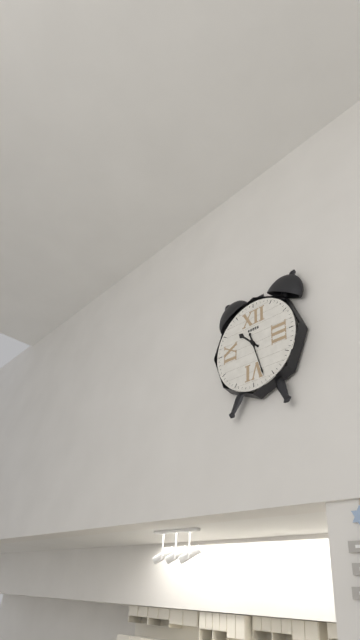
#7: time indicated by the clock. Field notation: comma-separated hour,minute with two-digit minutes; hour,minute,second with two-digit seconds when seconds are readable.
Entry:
10,27
